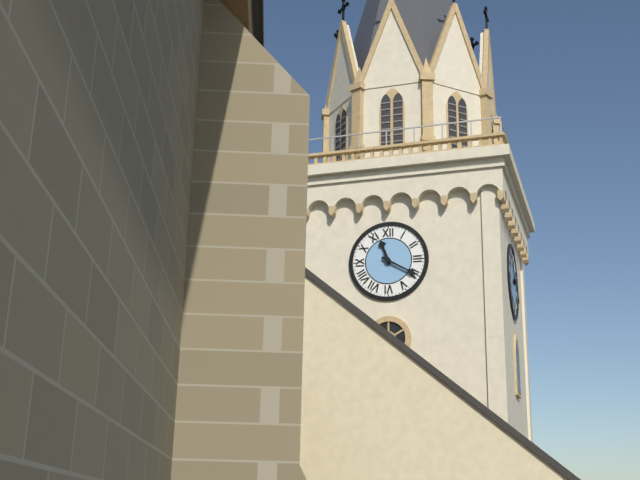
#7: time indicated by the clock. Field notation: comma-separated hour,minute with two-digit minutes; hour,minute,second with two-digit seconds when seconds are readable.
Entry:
11,20
